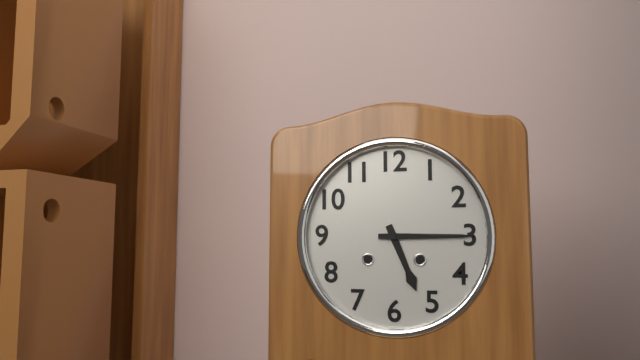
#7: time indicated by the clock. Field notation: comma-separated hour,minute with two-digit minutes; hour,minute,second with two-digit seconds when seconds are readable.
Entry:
5,15
